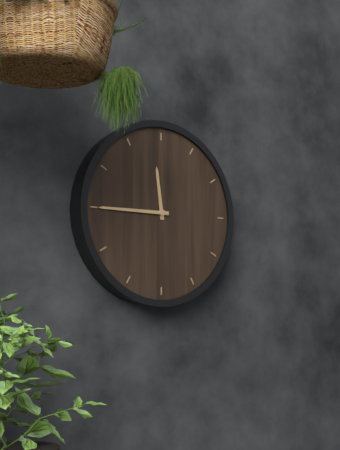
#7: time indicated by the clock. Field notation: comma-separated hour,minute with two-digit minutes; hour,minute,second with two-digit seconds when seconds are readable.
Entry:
11,45
